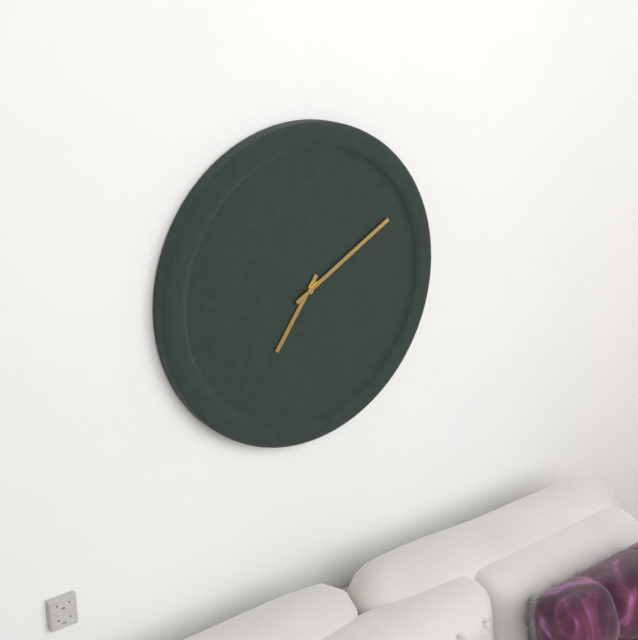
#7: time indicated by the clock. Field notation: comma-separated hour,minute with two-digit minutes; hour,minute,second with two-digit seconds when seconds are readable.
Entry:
7,10
